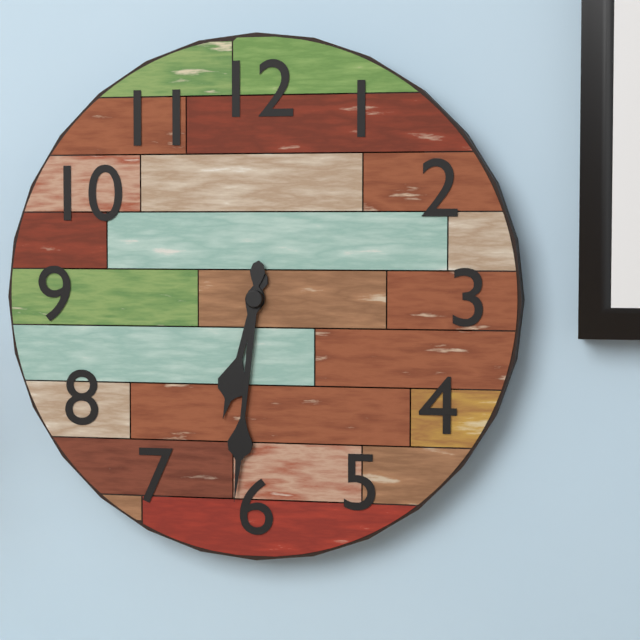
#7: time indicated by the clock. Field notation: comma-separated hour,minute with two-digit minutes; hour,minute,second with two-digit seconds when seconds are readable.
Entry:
6,31
